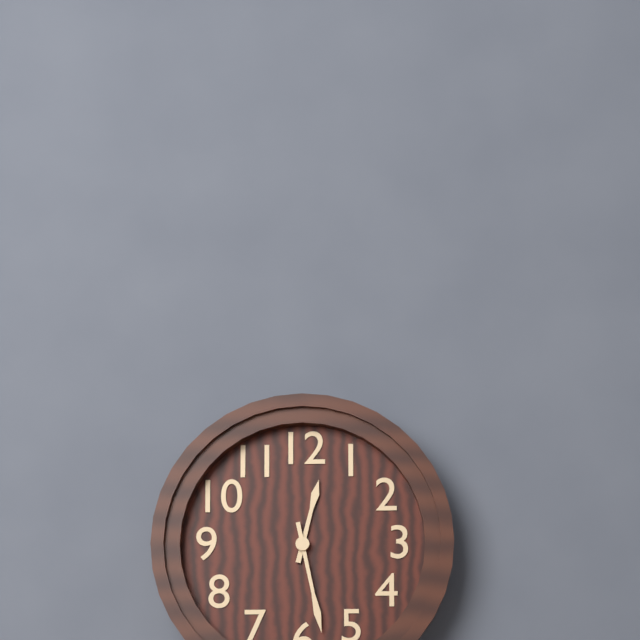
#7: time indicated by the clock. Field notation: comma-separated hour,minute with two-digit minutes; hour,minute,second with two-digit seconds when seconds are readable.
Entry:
12,28
